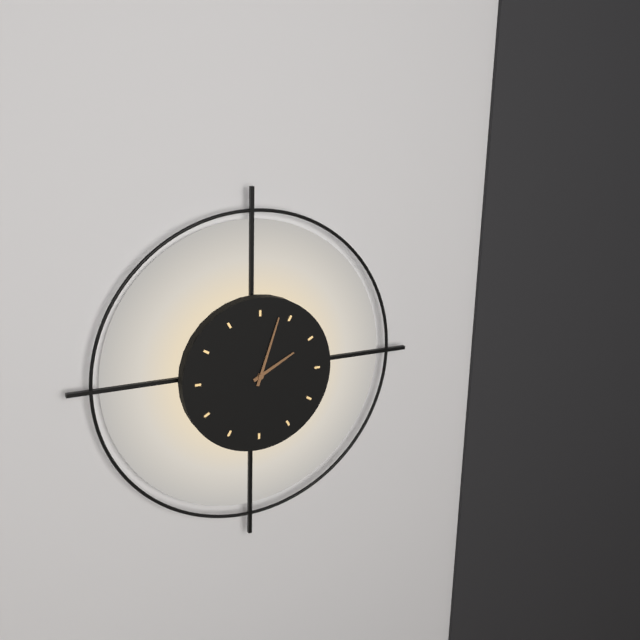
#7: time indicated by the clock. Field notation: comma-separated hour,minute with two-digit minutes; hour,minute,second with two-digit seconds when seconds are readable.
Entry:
2,03
